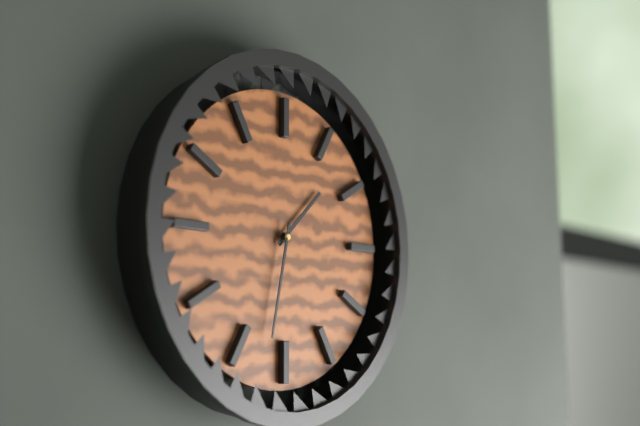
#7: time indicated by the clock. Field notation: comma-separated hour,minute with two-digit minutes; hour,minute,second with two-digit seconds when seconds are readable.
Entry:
1,32
